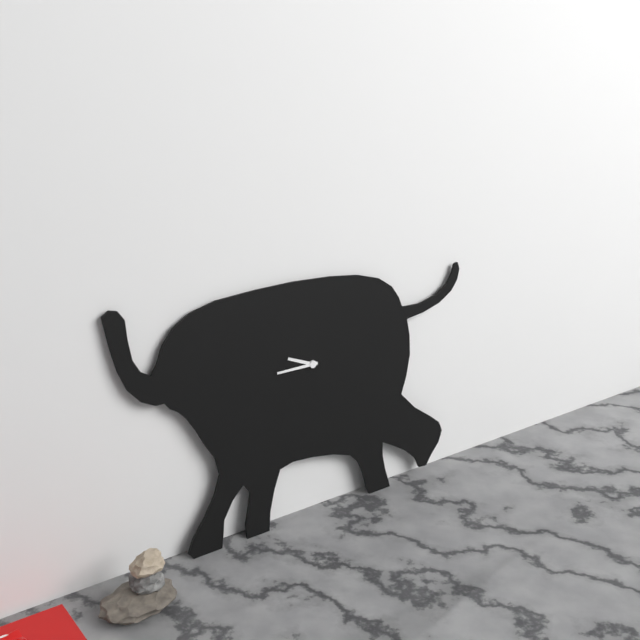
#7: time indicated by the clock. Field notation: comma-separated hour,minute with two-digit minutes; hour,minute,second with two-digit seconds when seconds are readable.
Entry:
9,45
